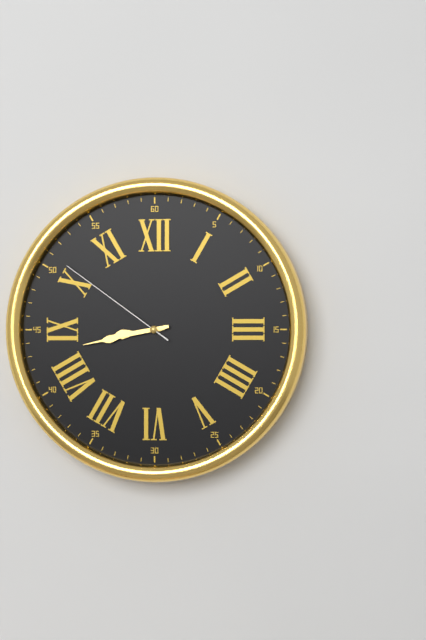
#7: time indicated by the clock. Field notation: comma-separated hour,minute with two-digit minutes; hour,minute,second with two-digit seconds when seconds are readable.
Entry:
8,43,51
